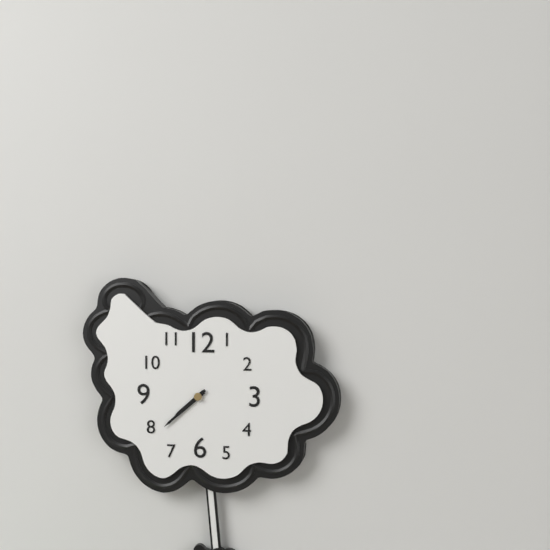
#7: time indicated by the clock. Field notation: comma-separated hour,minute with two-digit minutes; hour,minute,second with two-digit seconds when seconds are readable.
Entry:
7,38
